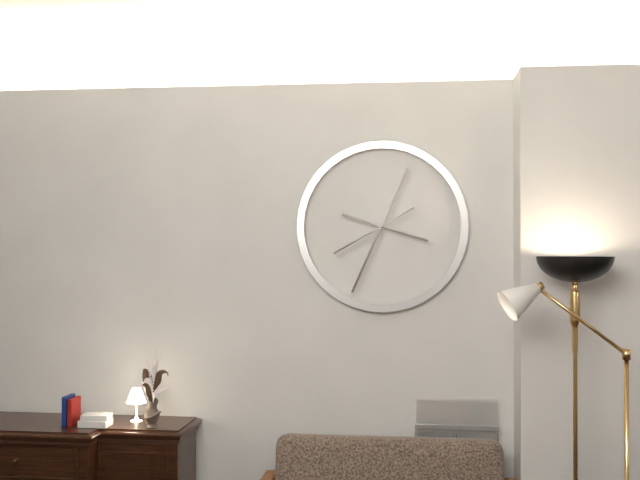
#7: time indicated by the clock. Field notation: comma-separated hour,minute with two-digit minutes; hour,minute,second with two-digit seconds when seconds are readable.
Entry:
3,34,40
